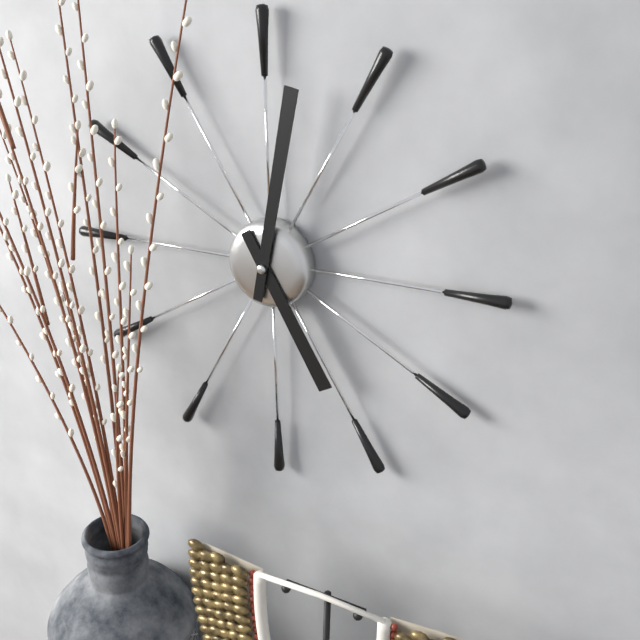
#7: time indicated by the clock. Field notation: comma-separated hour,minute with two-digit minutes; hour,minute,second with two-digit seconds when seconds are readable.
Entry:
5,02
